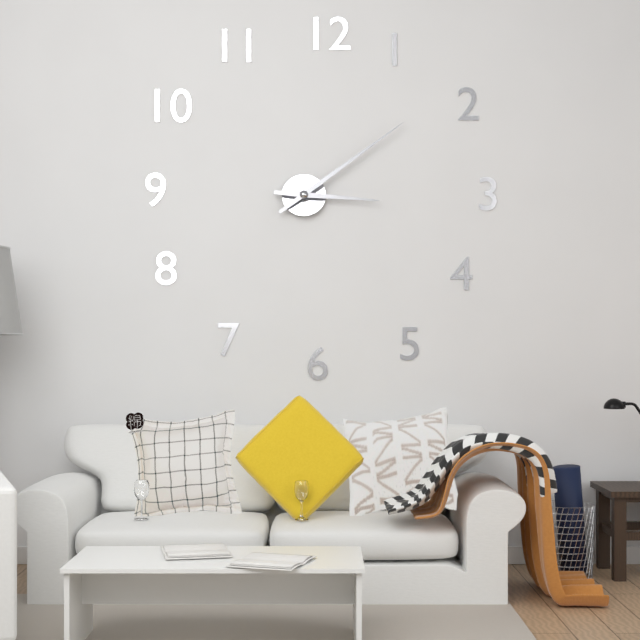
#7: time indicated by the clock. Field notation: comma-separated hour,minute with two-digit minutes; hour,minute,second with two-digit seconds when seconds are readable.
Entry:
3,09
